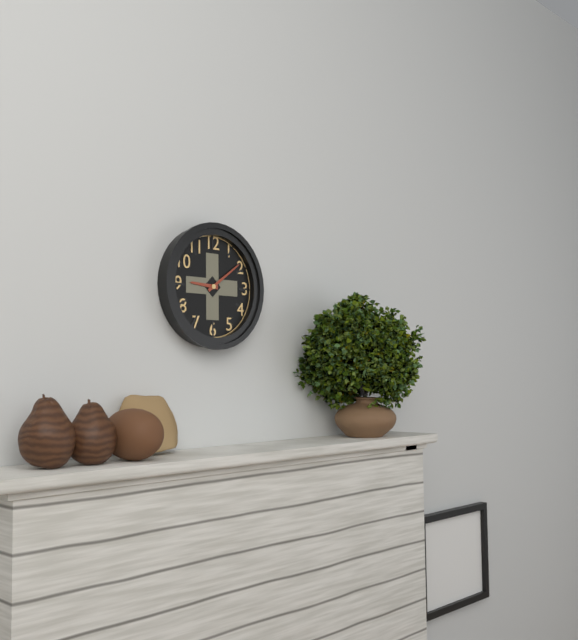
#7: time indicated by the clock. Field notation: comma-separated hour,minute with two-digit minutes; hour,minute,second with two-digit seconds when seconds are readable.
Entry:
9,09
